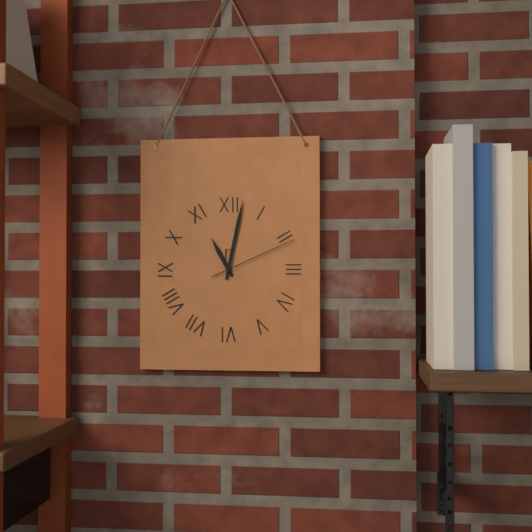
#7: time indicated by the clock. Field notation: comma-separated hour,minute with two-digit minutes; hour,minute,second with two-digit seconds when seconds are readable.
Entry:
11,02,11
